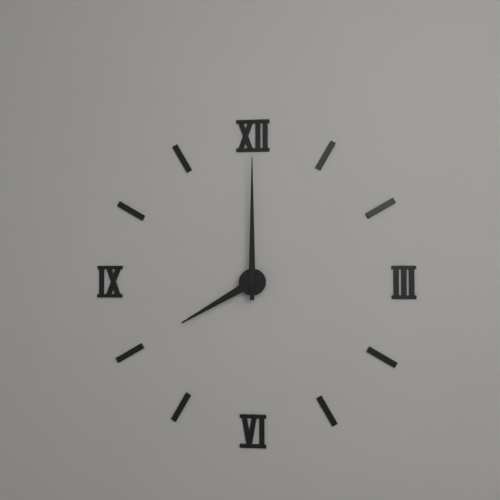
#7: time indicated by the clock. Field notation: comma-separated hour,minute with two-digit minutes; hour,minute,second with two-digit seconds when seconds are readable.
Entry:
8,00
